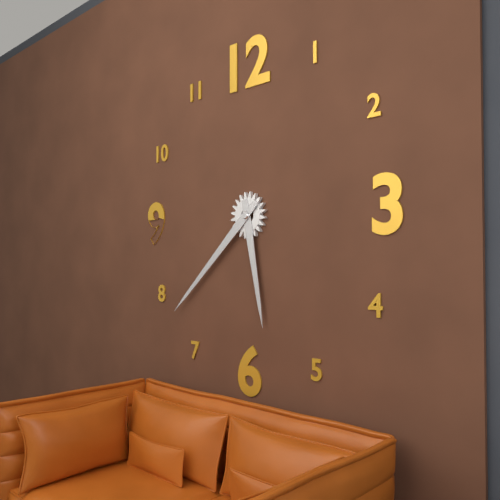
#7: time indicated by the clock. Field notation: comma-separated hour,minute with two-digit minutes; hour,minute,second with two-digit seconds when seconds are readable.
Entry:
5,38
